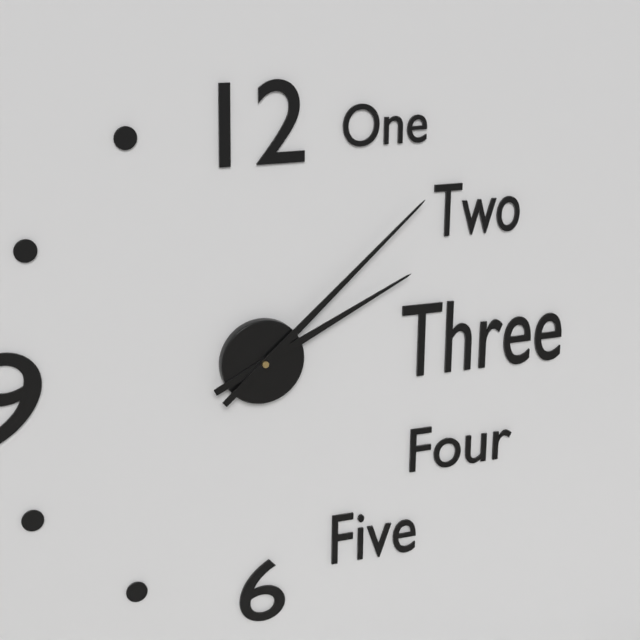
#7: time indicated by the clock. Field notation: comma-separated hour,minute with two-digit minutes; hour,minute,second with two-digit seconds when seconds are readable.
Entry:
2,08
